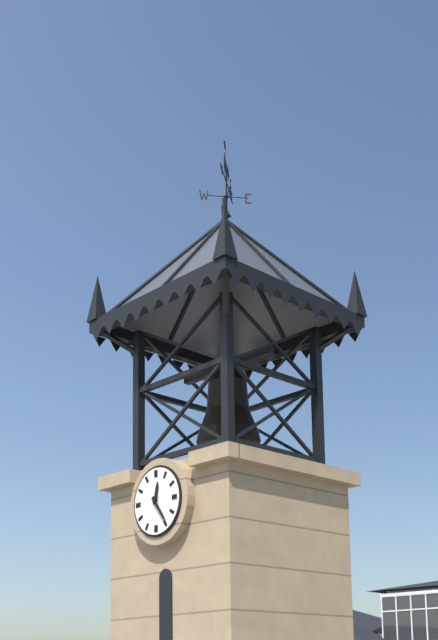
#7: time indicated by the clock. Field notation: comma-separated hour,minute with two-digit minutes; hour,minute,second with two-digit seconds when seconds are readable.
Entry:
12,24
